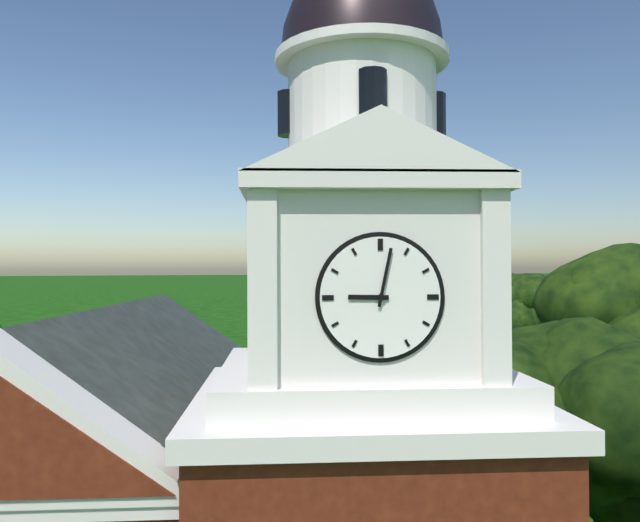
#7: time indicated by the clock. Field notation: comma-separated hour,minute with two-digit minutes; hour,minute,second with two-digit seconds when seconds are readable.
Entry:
9,02
